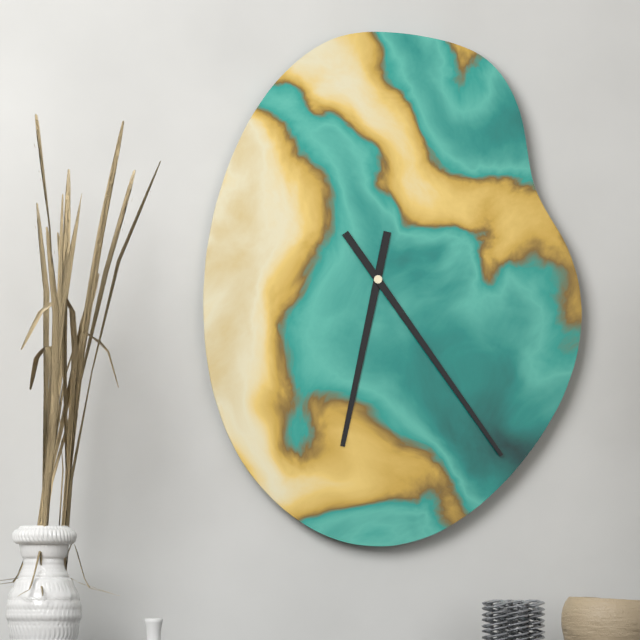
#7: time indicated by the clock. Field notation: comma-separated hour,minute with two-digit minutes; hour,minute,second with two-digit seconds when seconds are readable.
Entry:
6,24
